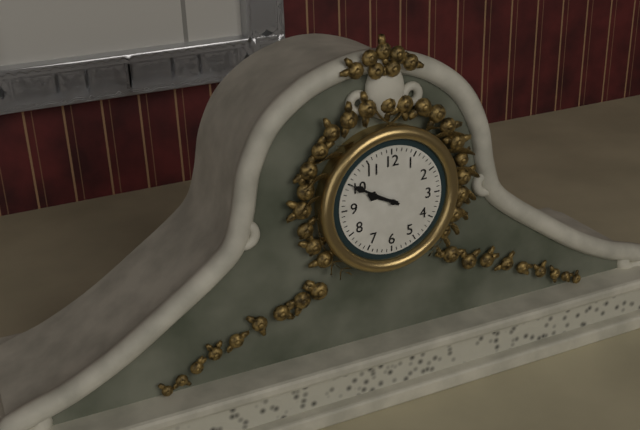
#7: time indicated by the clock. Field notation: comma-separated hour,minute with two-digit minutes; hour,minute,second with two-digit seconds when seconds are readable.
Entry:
9,50
